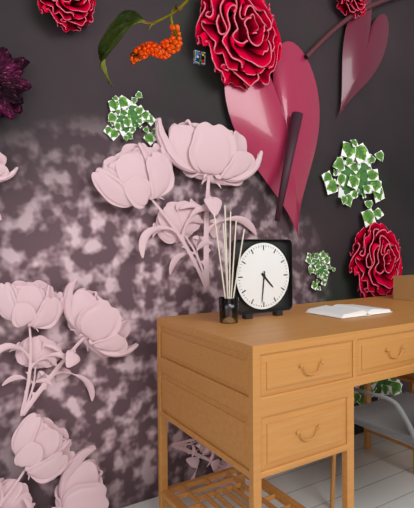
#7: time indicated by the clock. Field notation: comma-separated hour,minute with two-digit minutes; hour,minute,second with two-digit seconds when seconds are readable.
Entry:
4,31
